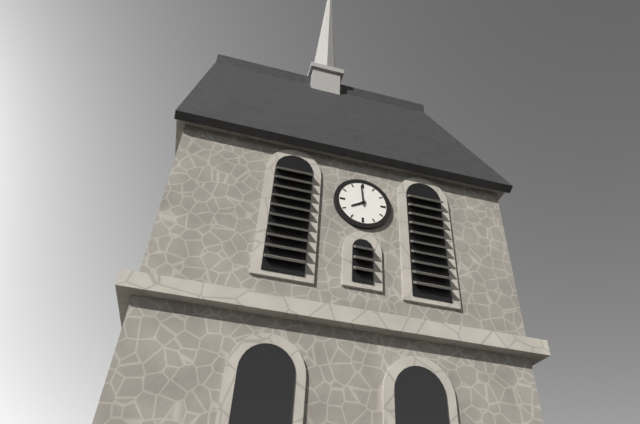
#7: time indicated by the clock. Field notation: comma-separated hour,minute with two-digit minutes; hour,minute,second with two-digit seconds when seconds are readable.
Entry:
7,59
